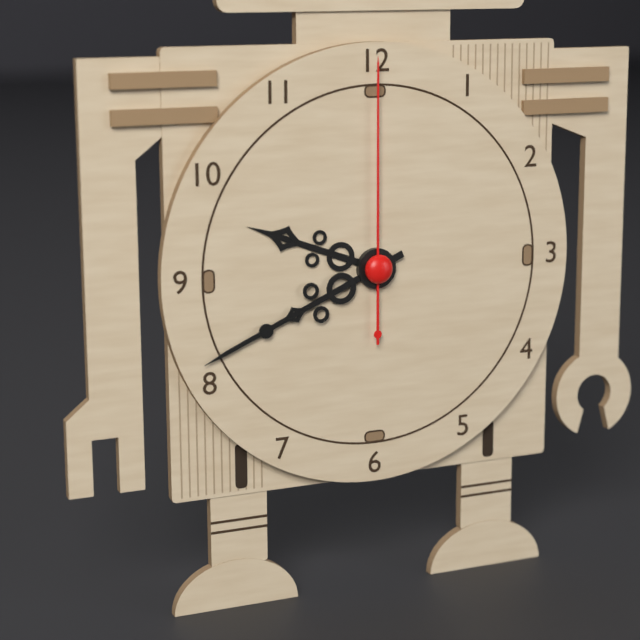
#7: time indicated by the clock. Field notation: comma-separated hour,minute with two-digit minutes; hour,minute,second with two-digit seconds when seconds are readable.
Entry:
9,41,00
